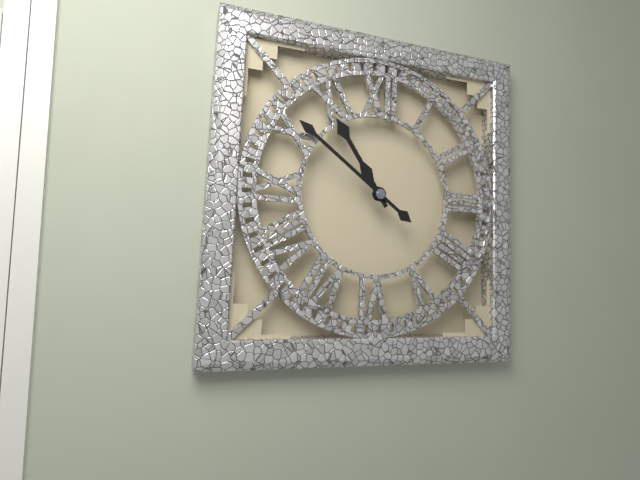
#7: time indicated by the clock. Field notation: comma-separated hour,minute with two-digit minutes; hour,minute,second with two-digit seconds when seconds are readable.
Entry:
10,51
